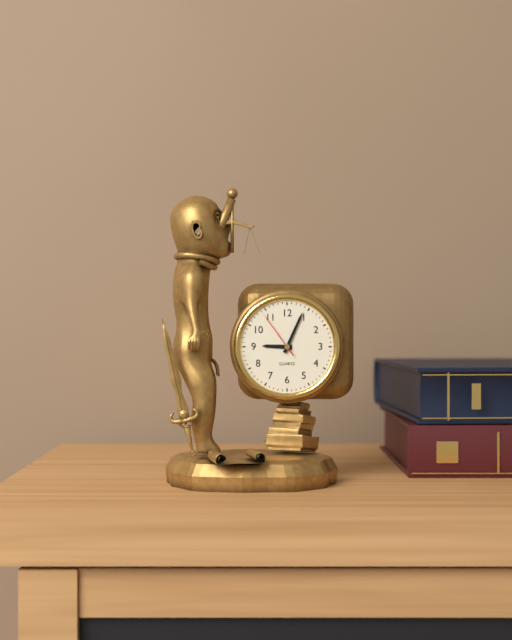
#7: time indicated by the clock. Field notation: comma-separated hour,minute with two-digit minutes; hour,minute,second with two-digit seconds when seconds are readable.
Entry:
9,04,54
